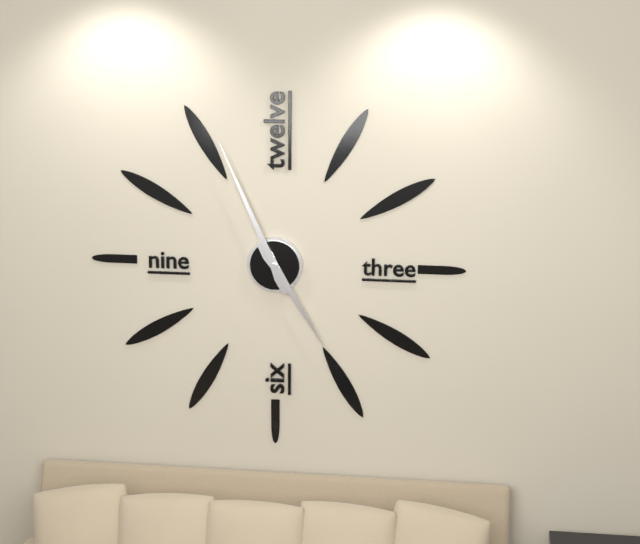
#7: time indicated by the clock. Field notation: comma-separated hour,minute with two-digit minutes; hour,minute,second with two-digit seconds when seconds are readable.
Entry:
4,56
